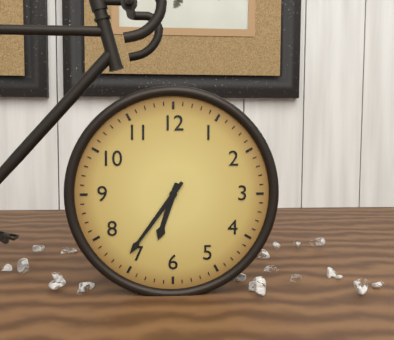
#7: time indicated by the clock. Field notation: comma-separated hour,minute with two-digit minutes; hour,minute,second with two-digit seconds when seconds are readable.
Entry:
6,36
